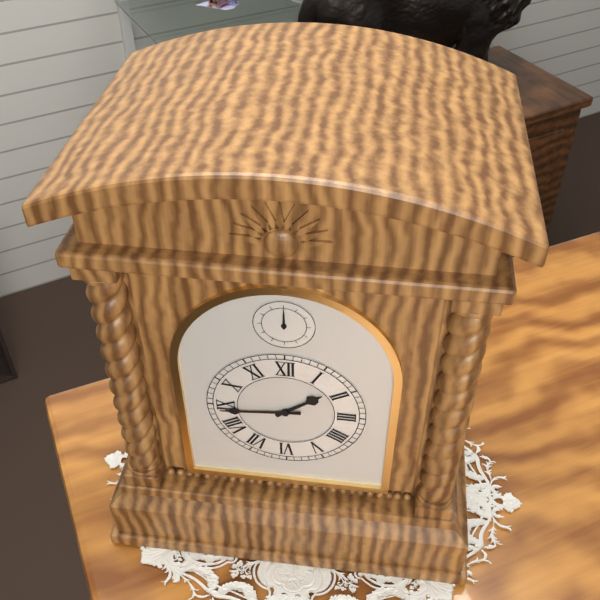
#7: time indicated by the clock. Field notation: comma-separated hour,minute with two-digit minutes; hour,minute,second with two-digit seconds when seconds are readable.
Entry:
1,44
